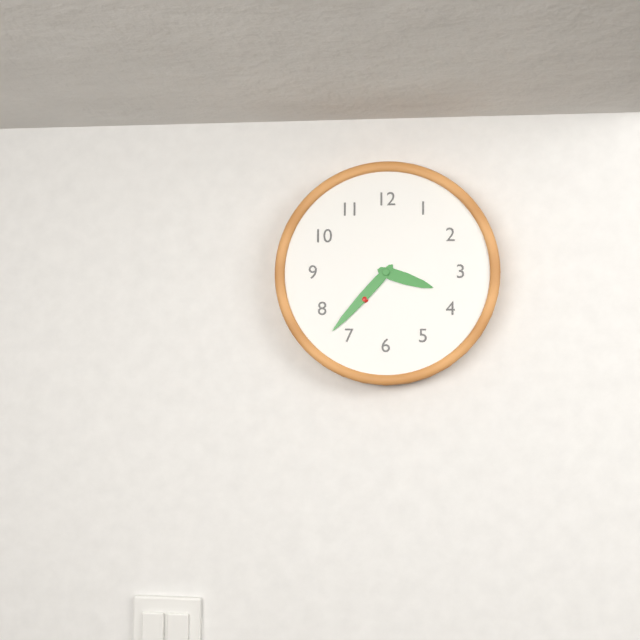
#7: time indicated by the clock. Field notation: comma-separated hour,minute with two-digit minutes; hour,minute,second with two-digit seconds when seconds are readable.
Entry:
3,37
